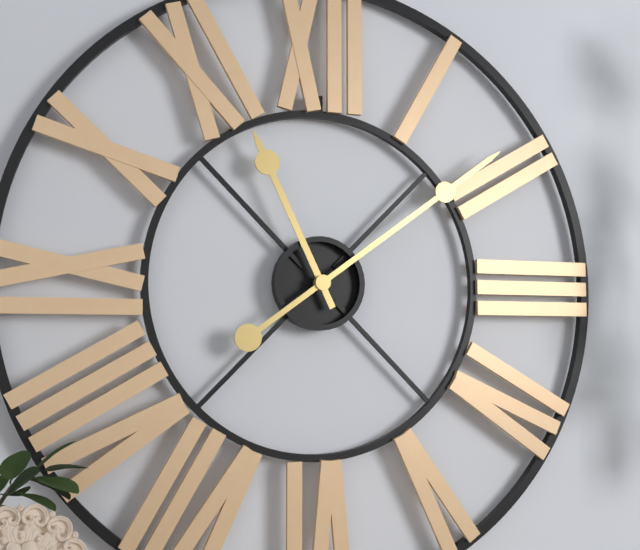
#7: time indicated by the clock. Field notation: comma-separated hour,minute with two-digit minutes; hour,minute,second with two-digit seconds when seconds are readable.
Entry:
11,09
